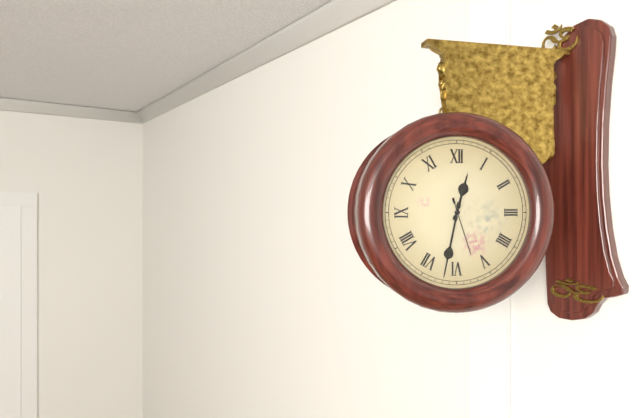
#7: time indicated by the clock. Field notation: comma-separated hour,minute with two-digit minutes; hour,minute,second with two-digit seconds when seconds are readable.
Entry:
12,32,27
